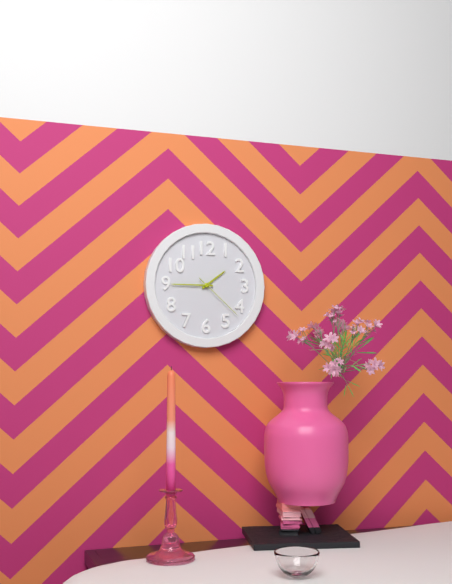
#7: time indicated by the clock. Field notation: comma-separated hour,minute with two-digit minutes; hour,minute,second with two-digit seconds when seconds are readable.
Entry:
1,45,22
